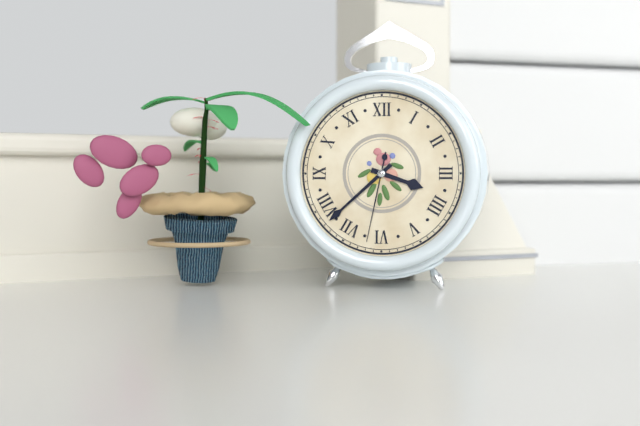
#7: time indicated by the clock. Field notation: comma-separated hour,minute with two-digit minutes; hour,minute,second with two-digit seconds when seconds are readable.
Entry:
3,38,32
